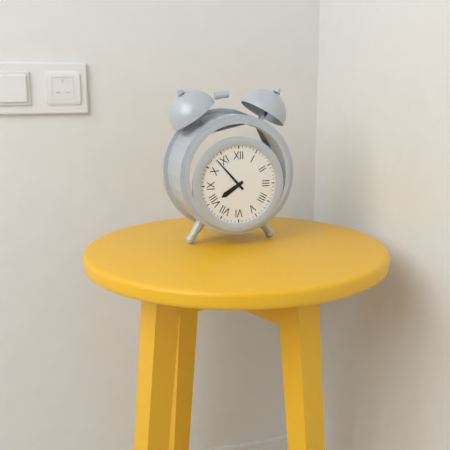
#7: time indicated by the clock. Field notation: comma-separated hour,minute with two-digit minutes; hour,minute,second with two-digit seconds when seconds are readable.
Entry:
7,53
